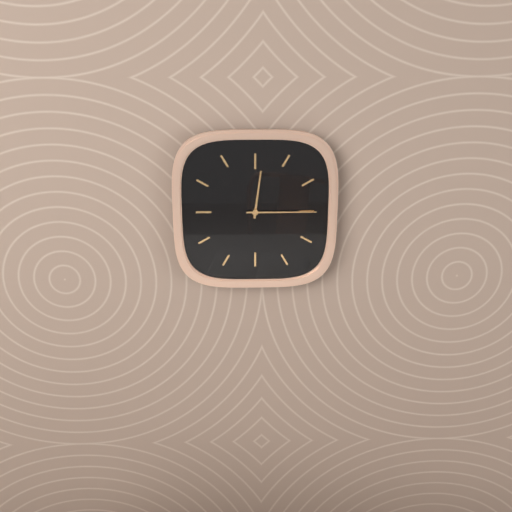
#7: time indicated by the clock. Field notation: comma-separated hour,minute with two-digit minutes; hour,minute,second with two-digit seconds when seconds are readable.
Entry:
12,15
